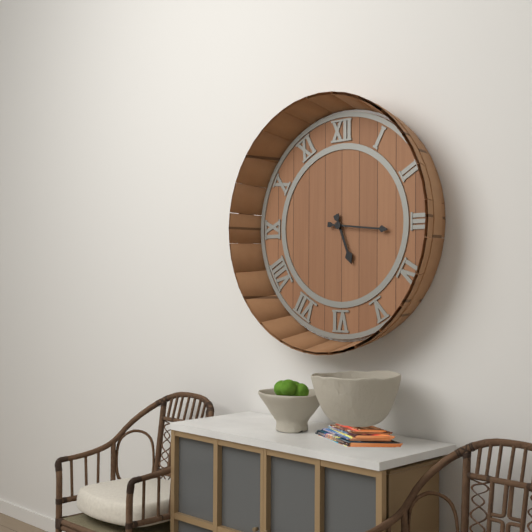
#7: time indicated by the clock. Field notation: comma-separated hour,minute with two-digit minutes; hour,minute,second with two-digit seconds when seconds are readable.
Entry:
5,16
